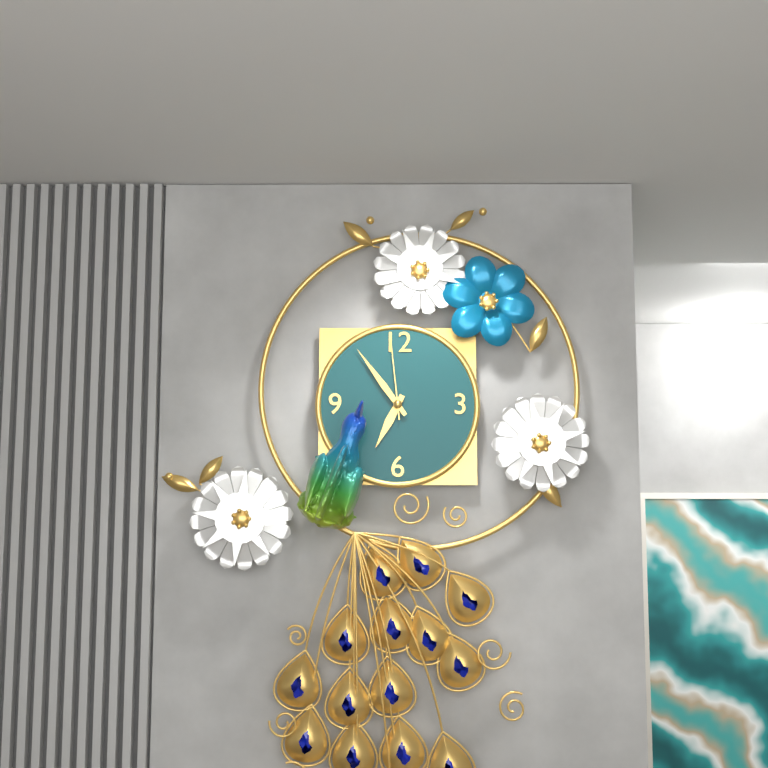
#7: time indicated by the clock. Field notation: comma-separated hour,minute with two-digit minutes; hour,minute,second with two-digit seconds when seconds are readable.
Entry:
6,54,59
